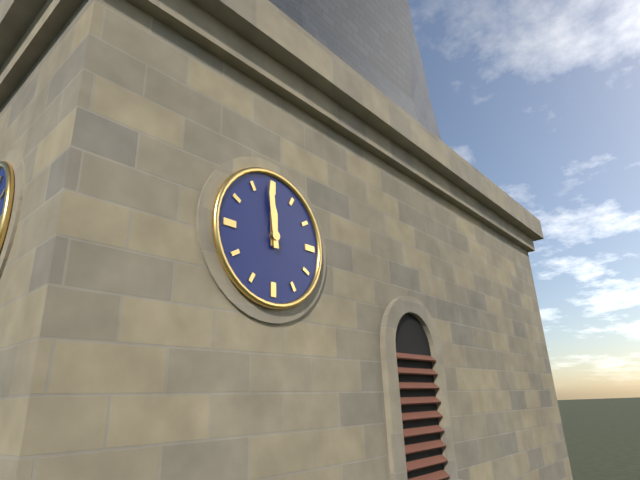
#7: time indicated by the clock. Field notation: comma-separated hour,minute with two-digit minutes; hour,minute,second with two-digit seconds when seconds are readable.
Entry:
11,59
